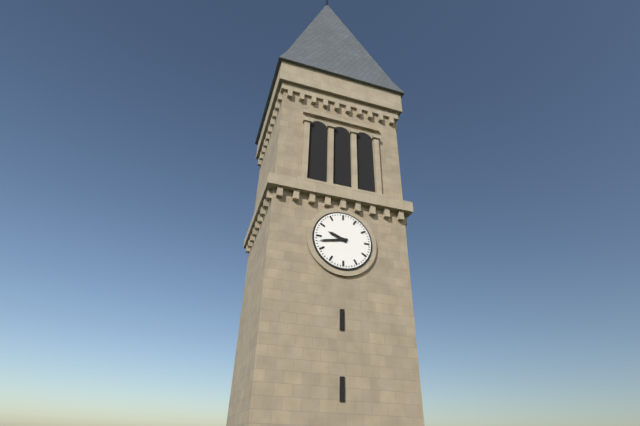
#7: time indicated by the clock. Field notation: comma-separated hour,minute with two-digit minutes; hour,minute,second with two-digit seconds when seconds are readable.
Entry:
9,43
